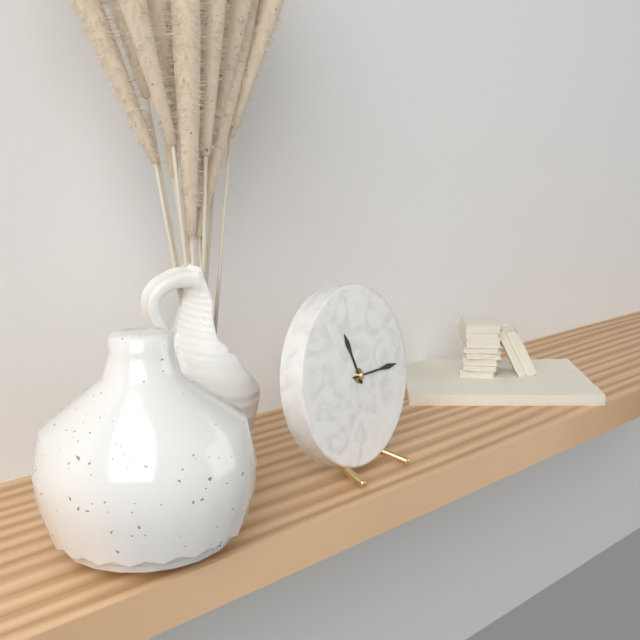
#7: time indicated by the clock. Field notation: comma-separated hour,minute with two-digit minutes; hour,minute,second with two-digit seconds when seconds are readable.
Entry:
11,15
